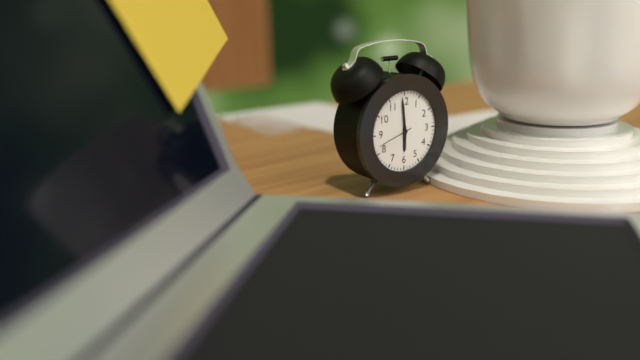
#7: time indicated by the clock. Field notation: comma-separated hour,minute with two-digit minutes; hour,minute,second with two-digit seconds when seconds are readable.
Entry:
5,59
